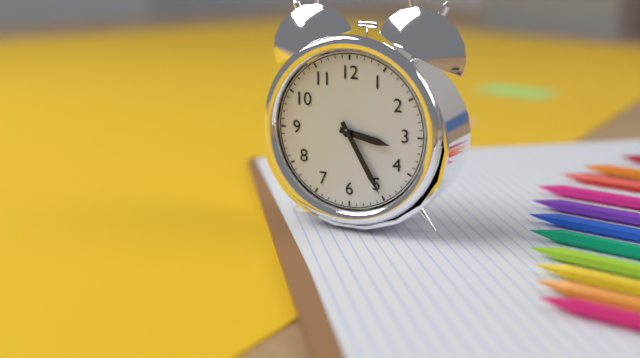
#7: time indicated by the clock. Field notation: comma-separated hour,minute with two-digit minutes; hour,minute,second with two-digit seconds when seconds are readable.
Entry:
3,25
